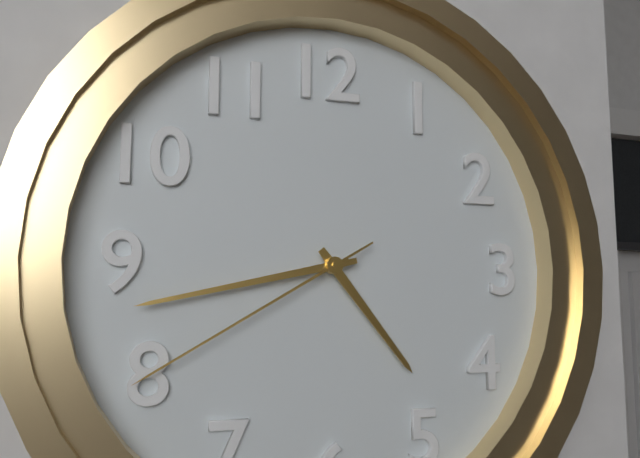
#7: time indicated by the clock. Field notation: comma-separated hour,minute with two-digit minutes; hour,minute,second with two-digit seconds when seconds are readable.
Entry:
4,43,40
